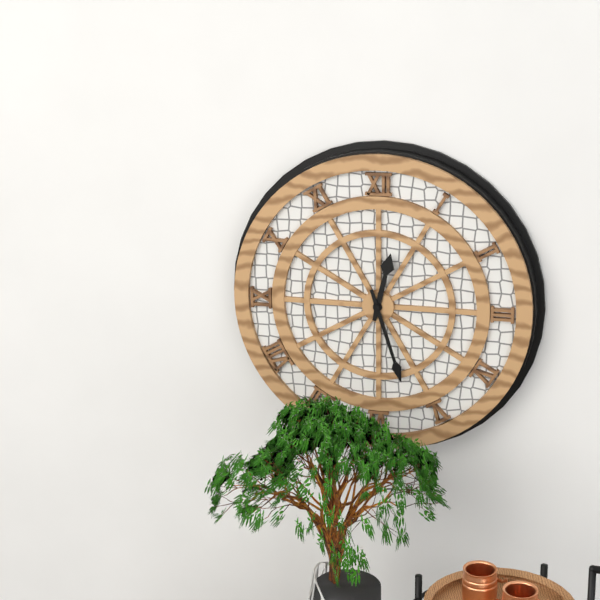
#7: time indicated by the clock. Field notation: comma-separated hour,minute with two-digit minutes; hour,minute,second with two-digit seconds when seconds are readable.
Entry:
12,27
